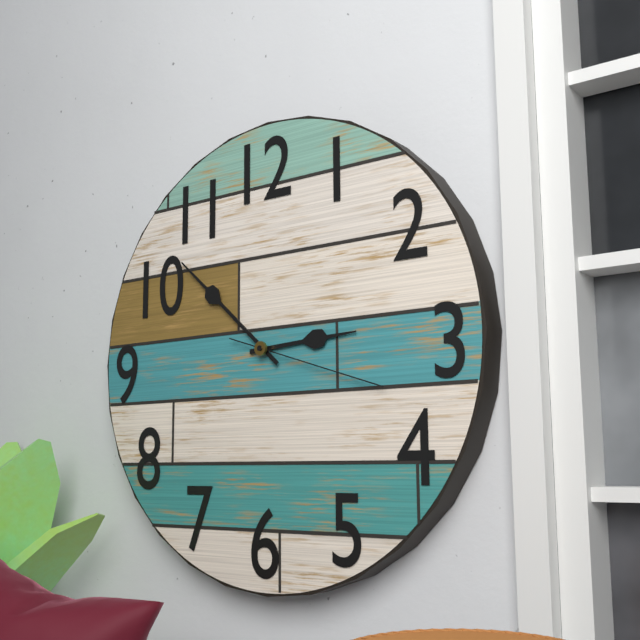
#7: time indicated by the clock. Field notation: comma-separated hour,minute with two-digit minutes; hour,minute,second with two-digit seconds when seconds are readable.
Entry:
2,52,18
